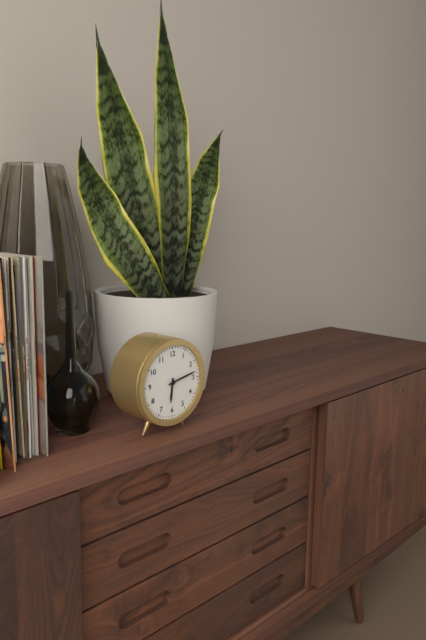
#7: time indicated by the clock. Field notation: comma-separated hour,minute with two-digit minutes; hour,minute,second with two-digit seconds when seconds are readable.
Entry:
6,13
